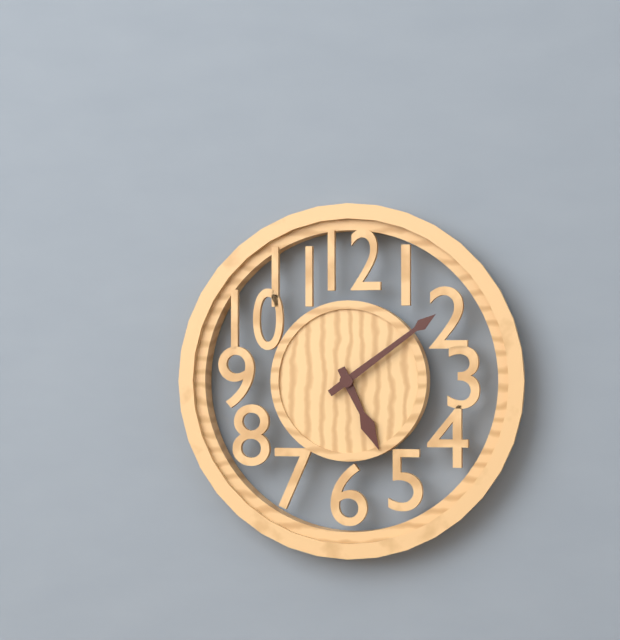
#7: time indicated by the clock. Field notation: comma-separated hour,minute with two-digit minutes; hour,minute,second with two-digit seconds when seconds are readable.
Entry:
5,09
